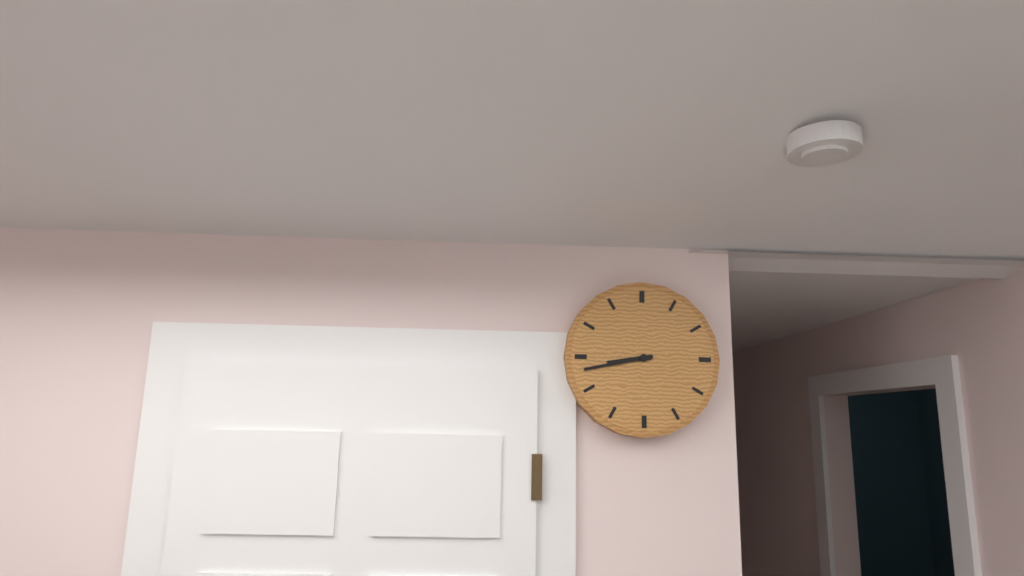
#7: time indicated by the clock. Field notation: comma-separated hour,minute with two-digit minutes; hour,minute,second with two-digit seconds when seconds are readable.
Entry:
8,43
